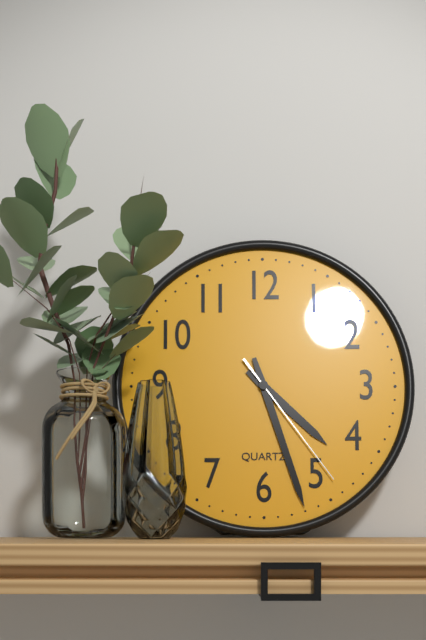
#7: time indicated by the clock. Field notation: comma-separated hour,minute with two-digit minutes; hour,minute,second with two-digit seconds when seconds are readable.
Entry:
4,27,24
